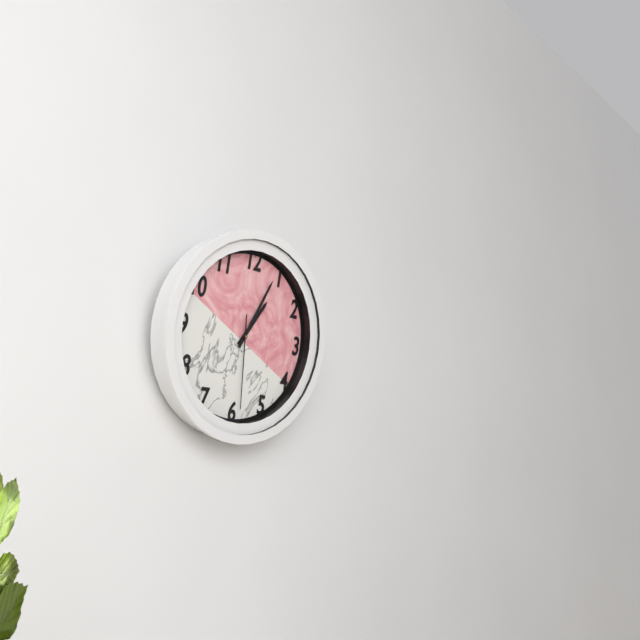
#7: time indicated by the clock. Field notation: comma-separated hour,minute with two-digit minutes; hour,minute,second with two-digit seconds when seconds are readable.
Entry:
1,04,29
